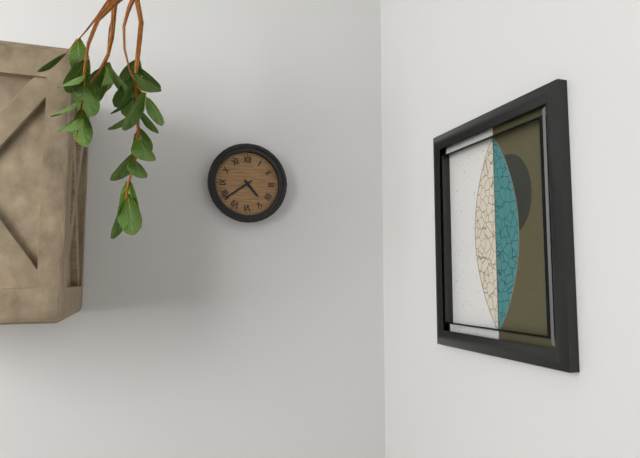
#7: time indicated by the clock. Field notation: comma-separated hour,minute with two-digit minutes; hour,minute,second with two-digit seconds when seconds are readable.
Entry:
4,39
